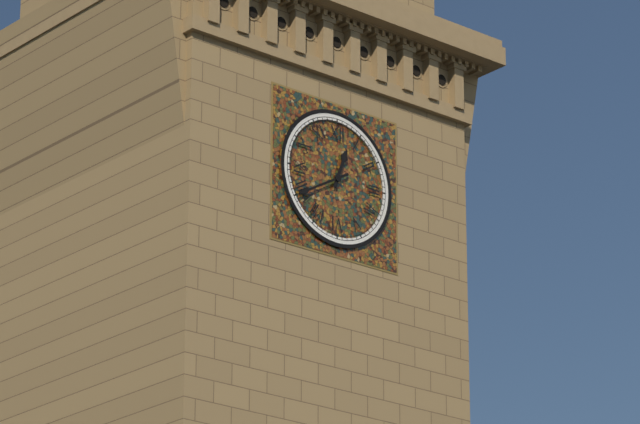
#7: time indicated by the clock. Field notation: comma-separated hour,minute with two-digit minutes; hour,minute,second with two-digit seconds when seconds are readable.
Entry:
12,40
